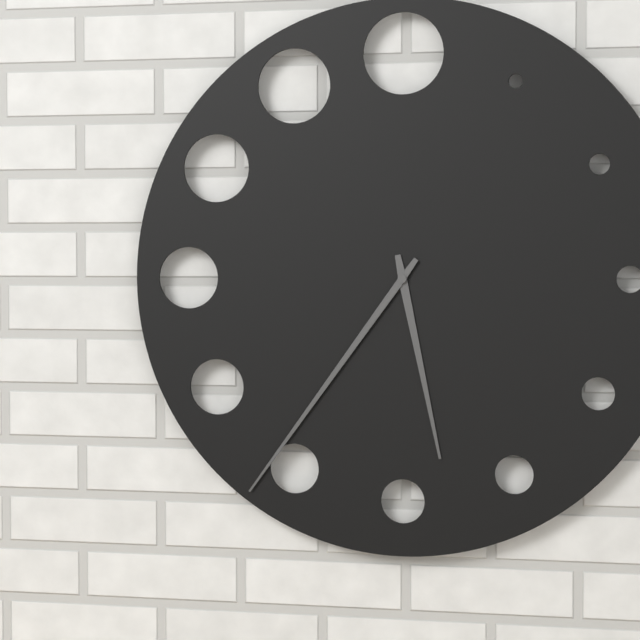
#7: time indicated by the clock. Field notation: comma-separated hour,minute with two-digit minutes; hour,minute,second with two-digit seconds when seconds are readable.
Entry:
5,36
